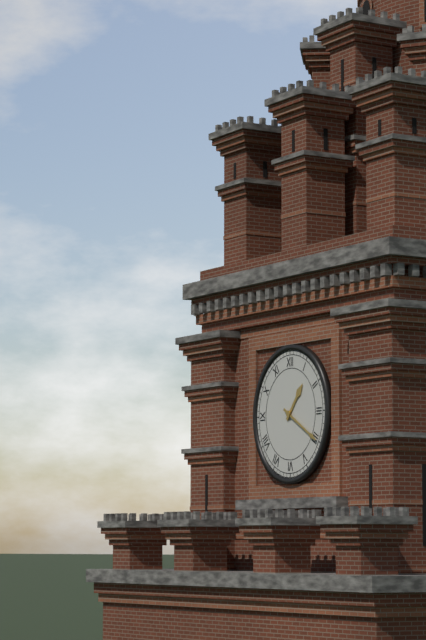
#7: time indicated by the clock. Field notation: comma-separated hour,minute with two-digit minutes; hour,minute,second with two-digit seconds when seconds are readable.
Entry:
1,20
